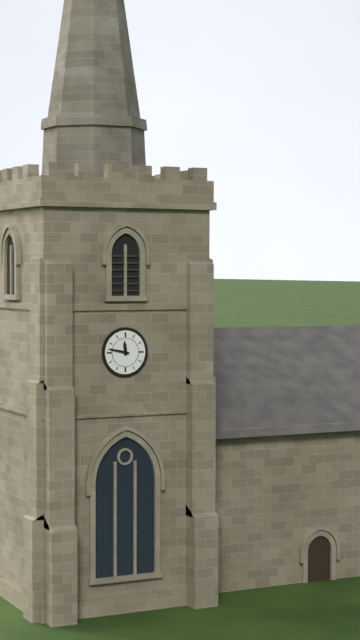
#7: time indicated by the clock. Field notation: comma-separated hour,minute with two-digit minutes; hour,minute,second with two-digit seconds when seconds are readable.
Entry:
11,47
